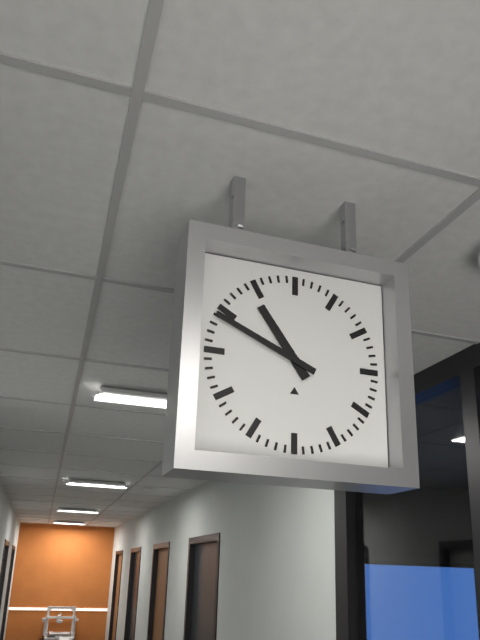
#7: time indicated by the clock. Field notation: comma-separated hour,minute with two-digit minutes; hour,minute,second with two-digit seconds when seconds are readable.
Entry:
10,49
